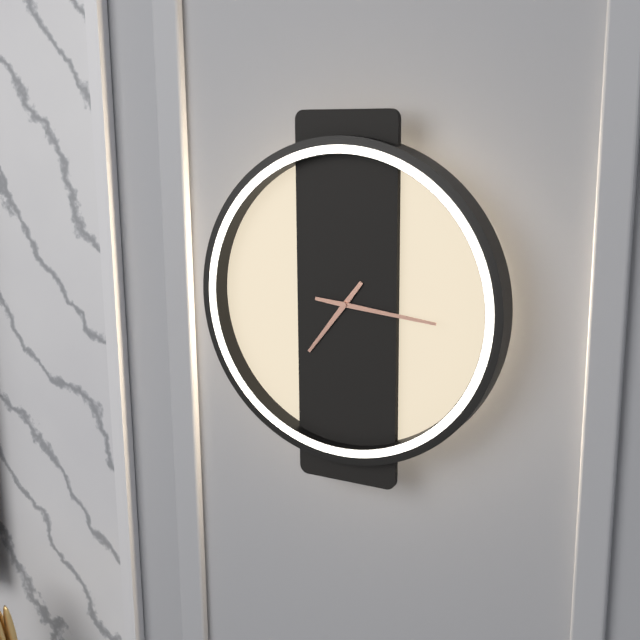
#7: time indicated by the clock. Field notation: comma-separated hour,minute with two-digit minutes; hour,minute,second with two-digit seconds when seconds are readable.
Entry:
7,16
